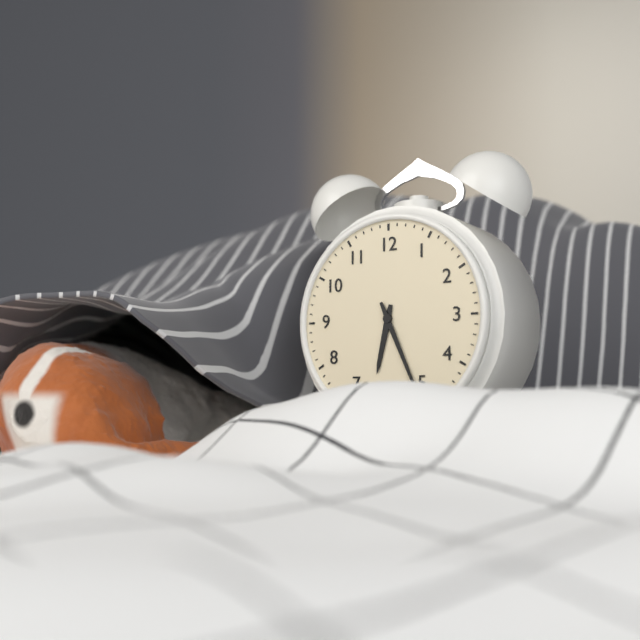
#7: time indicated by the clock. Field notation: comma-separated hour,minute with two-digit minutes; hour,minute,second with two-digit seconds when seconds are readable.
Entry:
6,26
